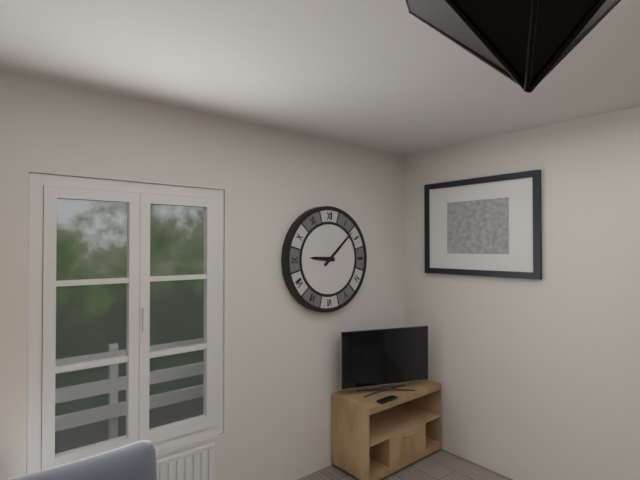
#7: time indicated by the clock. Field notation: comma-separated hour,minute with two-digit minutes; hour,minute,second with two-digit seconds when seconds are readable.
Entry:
9,08
